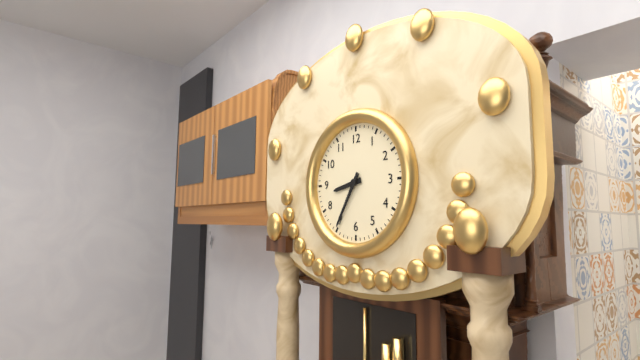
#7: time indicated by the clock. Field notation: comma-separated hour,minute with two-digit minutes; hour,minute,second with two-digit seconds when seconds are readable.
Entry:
8,35
